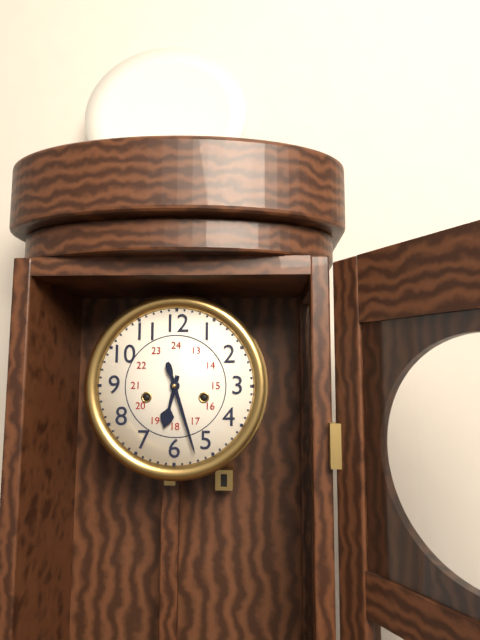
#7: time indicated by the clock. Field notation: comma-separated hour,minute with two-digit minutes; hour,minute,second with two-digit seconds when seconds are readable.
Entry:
6,27
